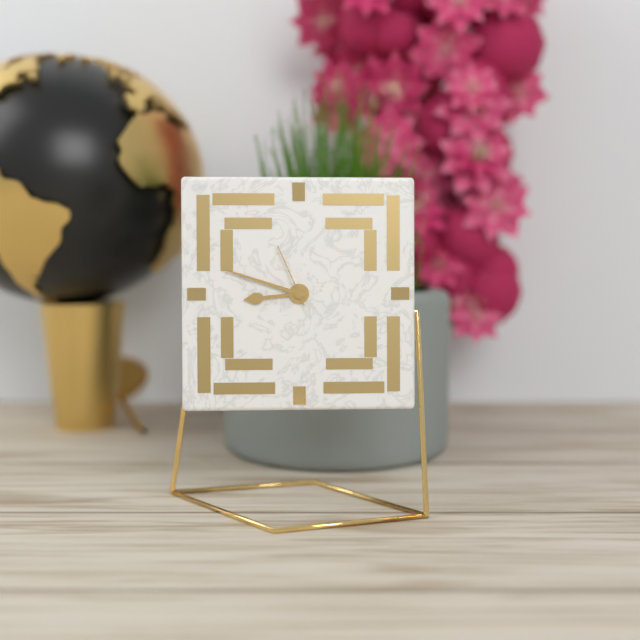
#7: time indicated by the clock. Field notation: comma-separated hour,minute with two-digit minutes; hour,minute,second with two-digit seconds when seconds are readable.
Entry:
8,48,56
